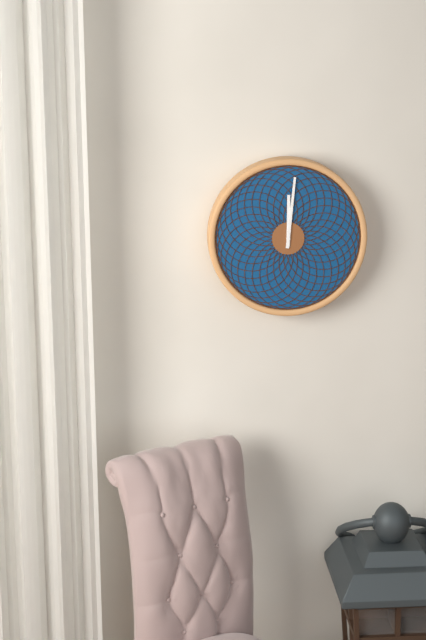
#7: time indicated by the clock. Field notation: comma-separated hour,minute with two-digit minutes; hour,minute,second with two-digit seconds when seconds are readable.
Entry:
12,01
